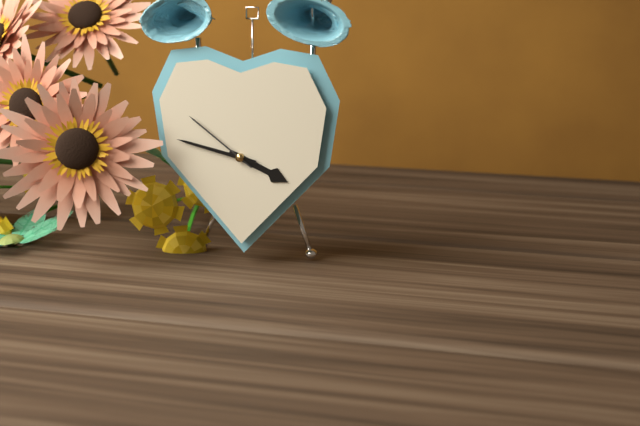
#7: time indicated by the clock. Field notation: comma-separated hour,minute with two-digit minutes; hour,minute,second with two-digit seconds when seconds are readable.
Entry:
3,47,51
